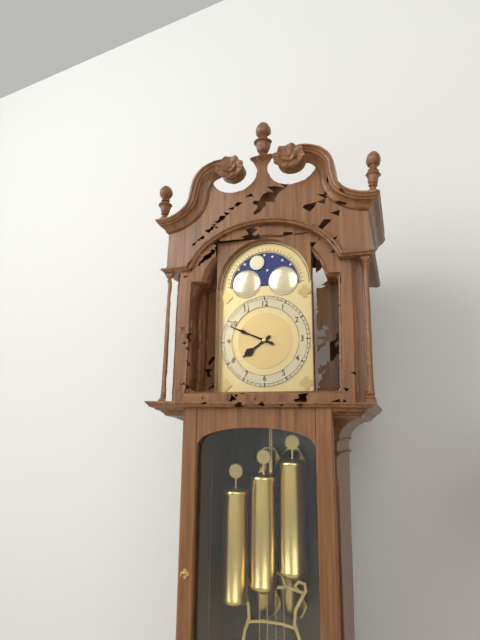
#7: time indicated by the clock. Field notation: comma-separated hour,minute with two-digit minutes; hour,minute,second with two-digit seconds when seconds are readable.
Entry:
7,49
